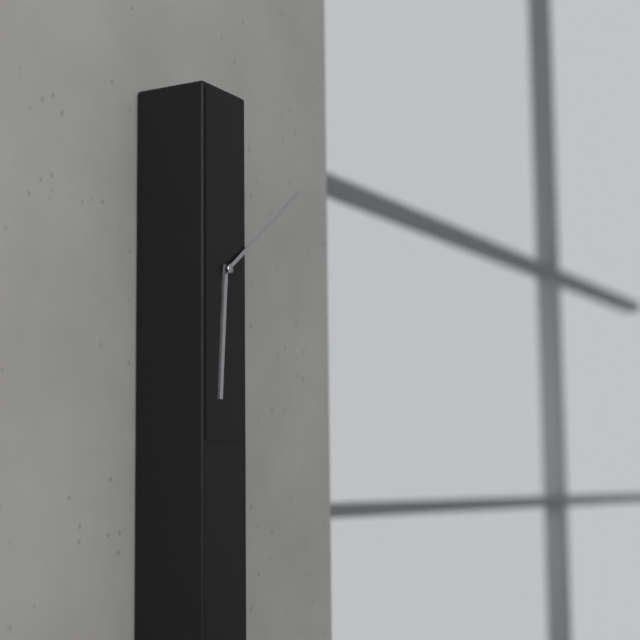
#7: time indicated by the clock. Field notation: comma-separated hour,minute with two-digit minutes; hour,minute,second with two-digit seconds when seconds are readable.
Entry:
6,09
